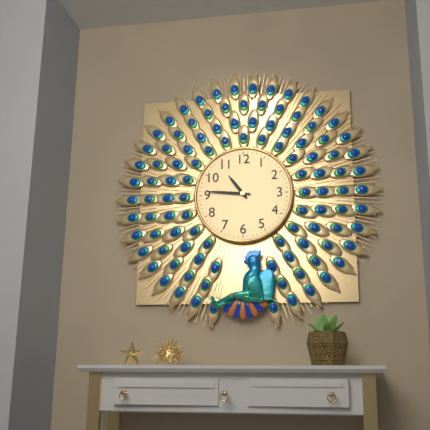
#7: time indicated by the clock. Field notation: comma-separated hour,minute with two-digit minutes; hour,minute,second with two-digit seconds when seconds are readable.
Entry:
10,46
